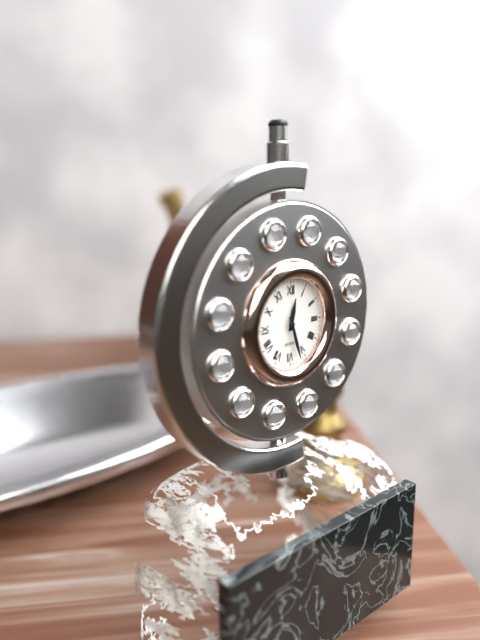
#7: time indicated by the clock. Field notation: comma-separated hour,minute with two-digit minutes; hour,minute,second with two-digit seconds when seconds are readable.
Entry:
12,27
